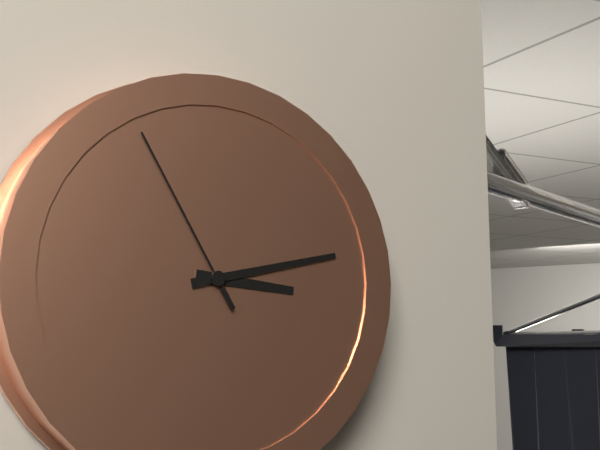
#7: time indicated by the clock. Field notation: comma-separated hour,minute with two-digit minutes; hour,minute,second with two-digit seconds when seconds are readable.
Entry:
3,13,55
